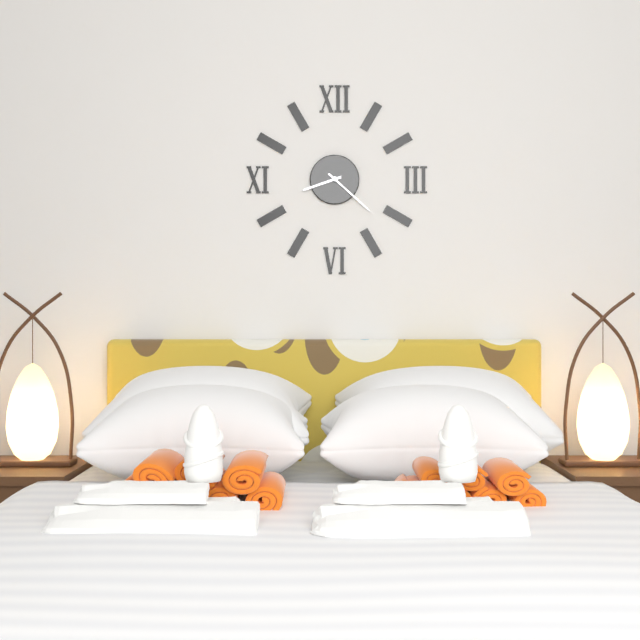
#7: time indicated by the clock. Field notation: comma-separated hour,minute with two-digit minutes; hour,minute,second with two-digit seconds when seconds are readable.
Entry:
8,22
